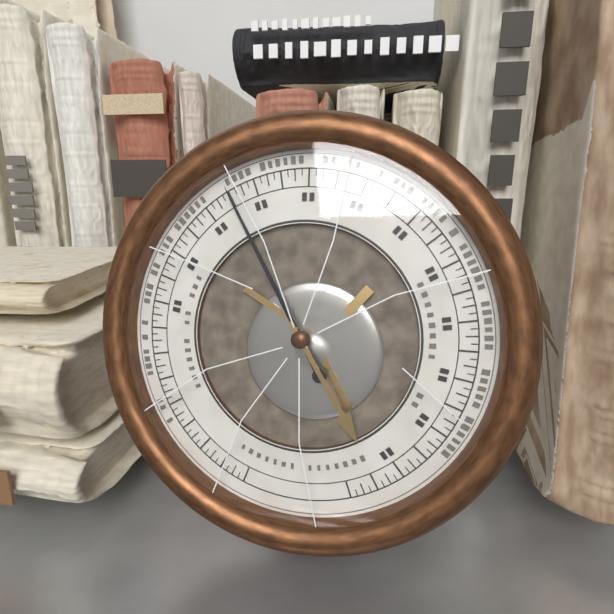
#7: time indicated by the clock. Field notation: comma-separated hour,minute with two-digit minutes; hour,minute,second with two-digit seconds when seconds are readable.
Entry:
4,55
